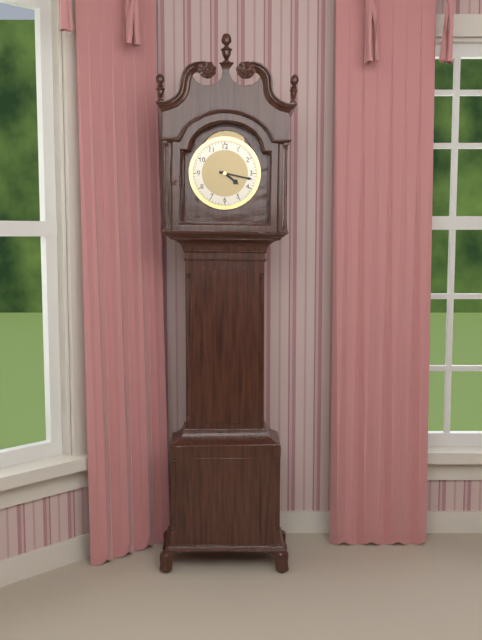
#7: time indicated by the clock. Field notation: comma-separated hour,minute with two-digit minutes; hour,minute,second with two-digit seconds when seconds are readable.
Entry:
4,17
